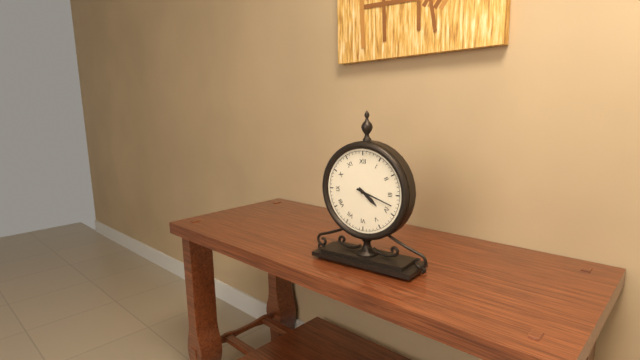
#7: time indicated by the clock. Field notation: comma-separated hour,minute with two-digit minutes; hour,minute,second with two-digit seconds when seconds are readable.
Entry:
4,18
